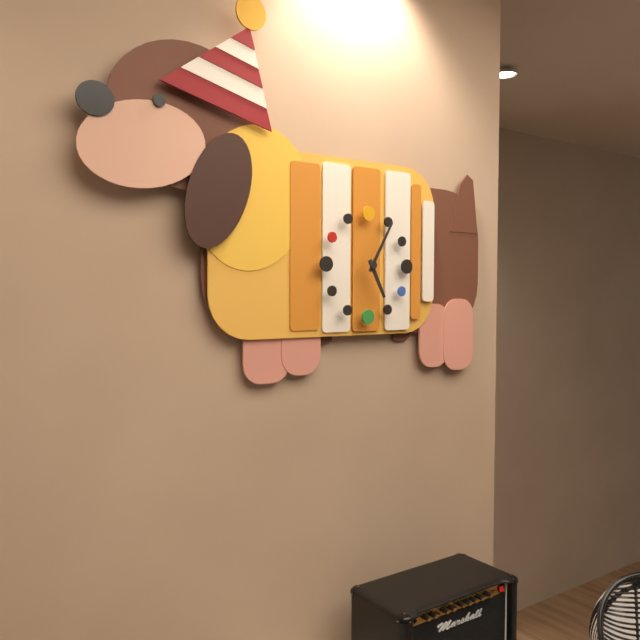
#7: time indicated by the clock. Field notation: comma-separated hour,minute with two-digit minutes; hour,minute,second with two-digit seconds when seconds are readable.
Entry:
5,05
